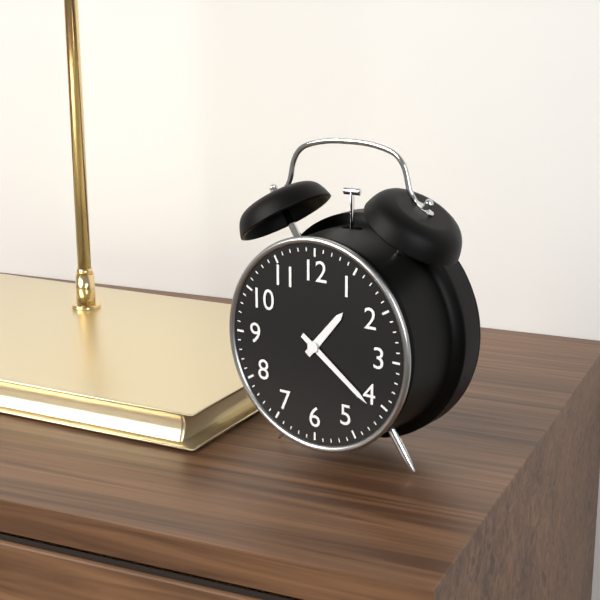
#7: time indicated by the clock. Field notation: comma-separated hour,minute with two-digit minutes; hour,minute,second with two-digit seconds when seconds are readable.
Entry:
1,21
